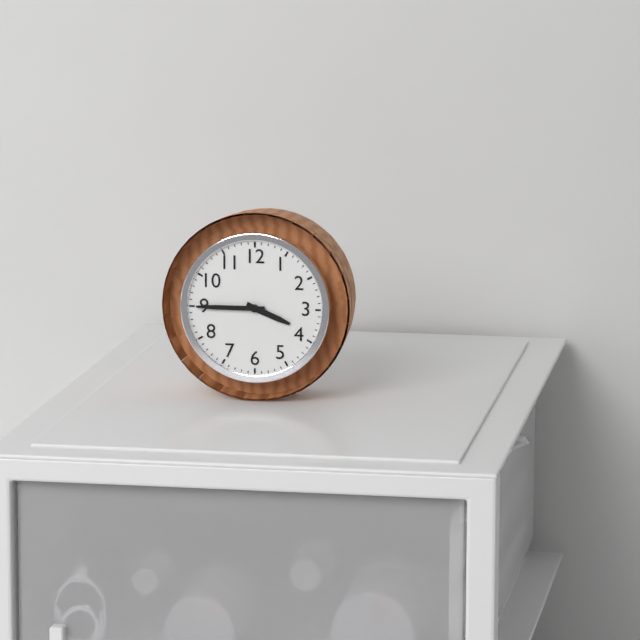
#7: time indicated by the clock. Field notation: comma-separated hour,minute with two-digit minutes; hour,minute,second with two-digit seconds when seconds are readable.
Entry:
3,45
